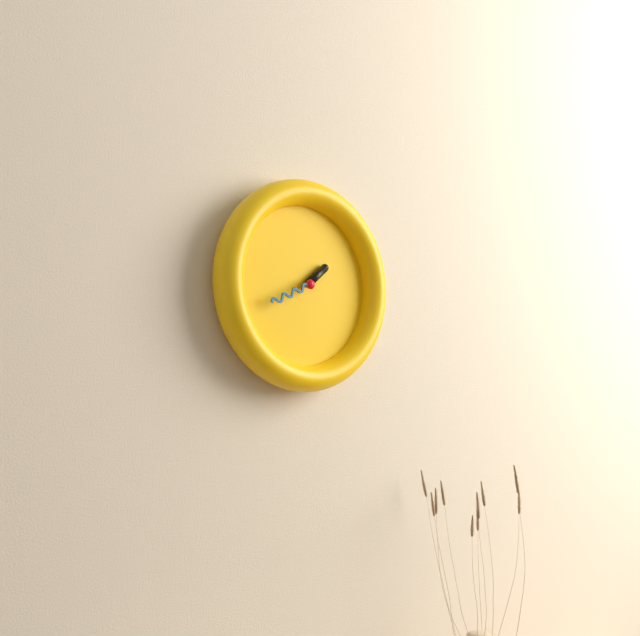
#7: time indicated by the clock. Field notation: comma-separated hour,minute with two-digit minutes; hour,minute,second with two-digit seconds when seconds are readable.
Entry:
1,41
